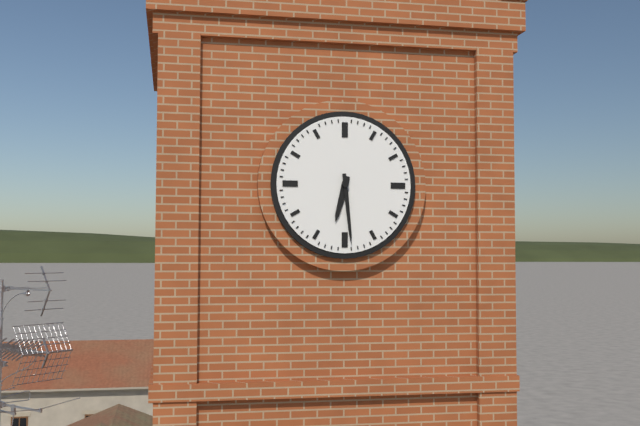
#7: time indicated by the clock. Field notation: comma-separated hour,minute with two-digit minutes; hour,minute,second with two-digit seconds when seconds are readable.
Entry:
6,29
